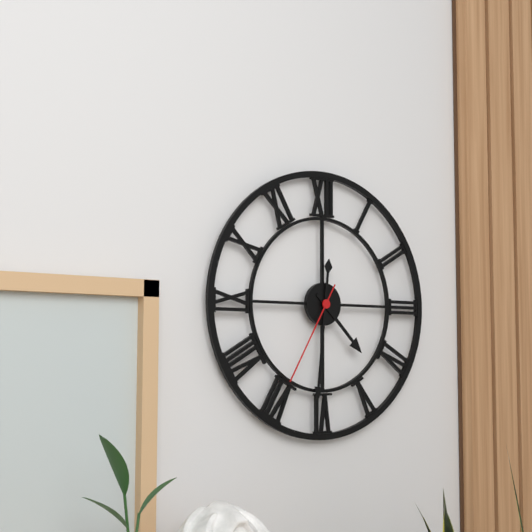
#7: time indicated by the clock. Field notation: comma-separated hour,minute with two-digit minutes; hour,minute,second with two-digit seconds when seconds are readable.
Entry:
4,31,35
